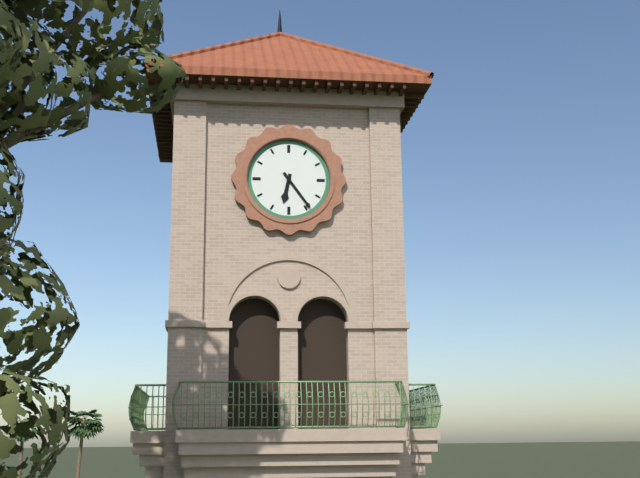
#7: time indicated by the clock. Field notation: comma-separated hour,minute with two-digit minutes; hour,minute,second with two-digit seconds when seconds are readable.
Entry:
6,24
